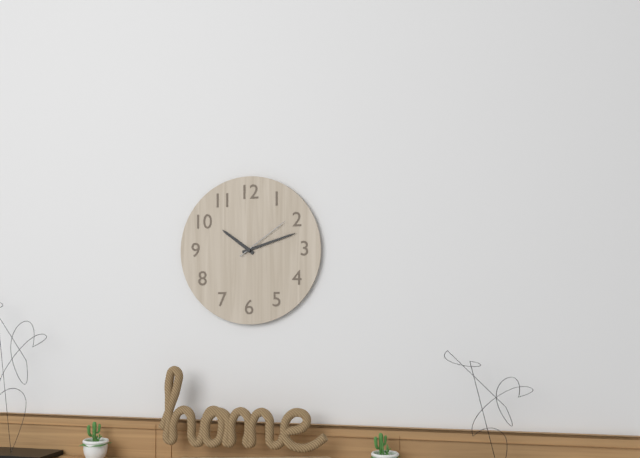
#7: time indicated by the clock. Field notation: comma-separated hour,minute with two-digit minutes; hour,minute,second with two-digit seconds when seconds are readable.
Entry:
10,12,09
